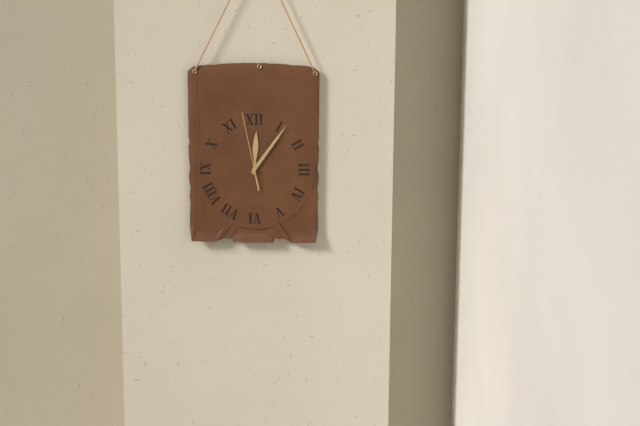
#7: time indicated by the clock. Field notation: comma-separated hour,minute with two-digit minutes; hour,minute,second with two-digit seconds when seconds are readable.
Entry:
12,06,58
